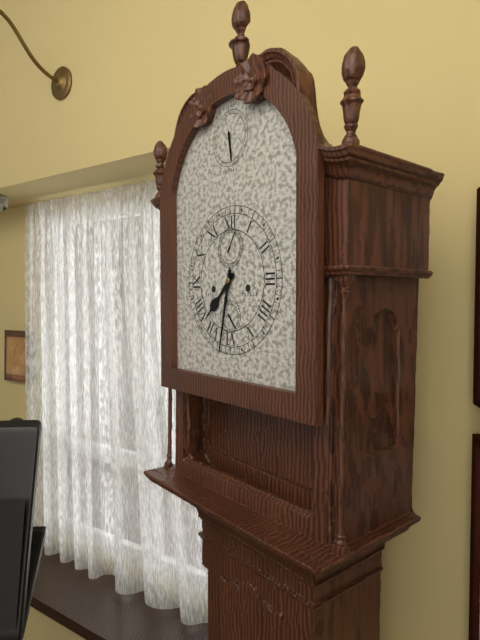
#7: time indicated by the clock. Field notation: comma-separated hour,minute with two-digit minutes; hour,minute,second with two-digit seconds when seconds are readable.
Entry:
7,32
